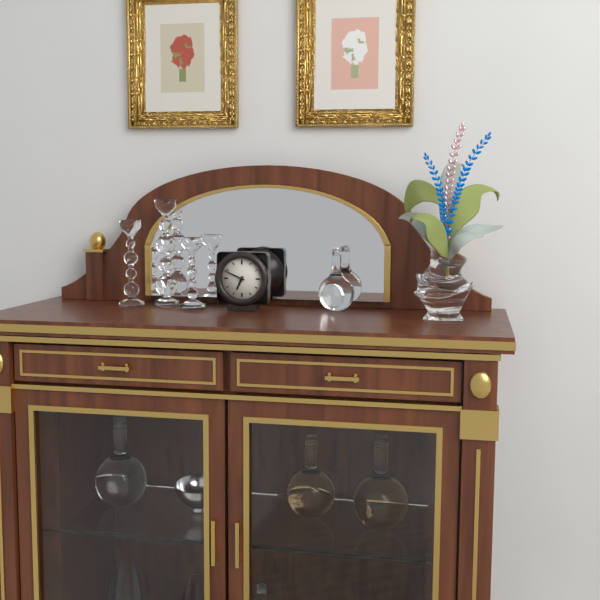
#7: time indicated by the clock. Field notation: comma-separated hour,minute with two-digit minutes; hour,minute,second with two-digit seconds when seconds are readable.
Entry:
6,49
